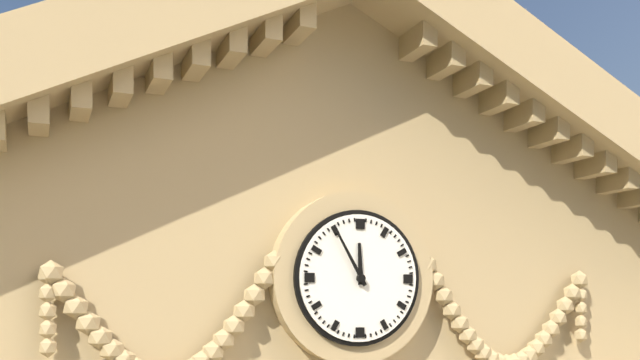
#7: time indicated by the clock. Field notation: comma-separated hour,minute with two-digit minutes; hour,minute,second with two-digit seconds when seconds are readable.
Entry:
11,55
